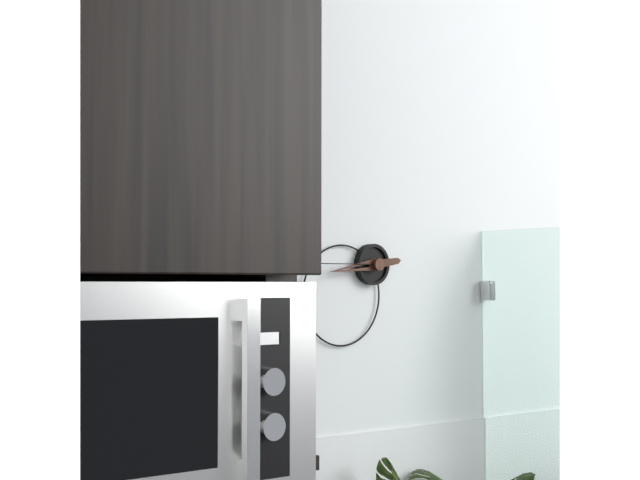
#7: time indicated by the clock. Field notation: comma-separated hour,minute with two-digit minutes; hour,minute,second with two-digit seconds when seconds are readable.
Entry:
8,45
